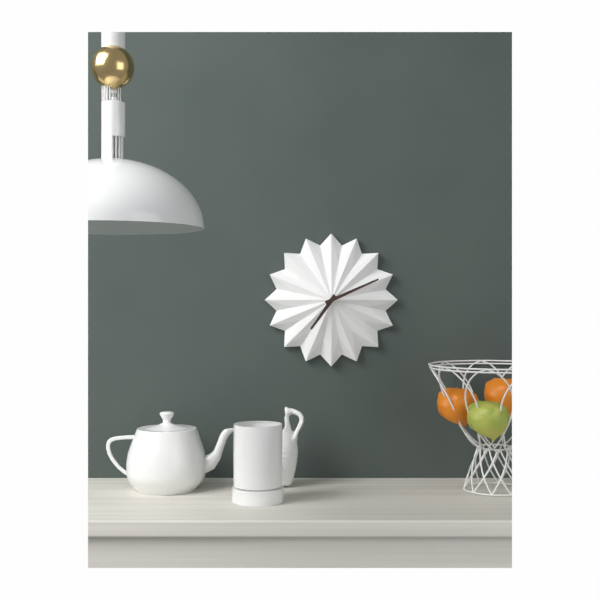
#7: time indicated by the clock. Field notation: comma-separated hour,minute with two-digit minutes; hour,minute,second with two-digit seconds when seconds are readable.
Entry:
7,11
